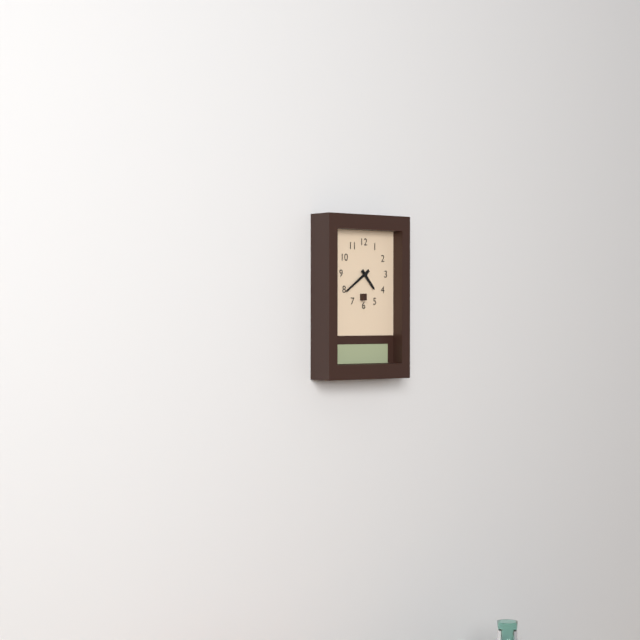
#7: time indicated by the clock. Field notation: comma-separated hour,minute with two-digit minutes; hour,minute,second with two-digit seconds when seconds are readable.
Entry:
4,39
